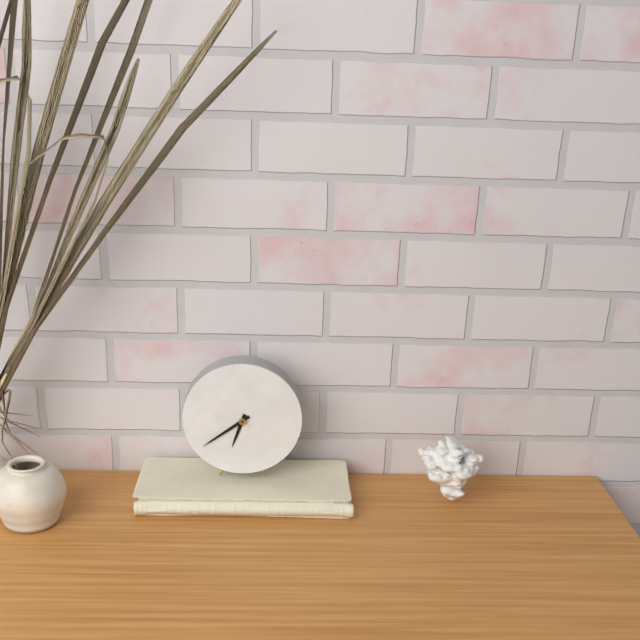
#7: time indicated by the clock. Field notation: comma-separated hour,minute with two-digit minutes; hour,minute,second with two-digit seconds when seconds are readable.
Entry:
6,39
